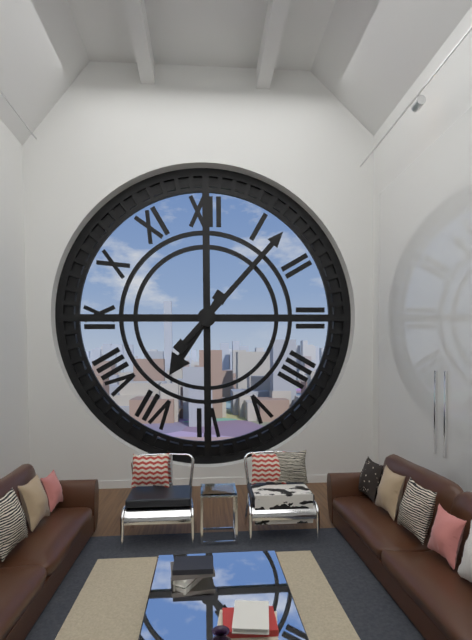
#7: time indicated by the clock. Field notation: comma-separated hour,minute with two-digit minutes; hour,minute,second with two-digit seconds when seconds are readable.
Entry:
7,07
